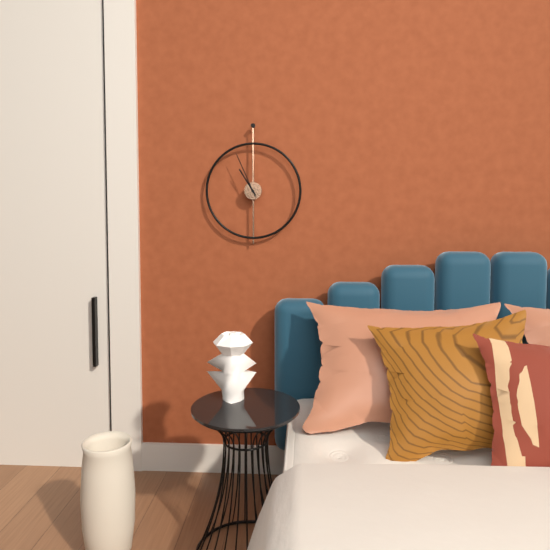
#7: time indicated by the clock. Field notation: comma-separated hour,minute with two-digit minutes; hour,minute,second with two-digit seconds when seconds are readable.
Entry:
10,56
